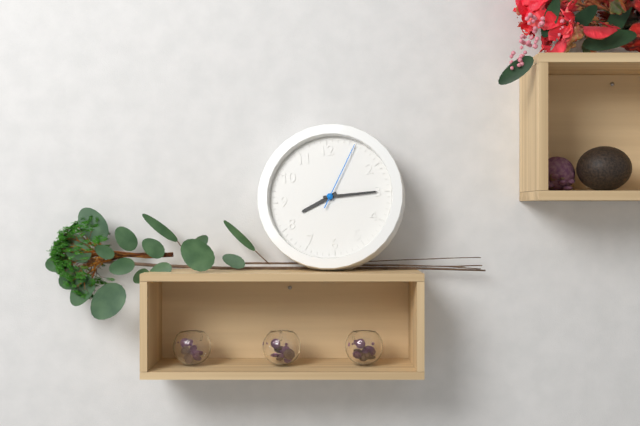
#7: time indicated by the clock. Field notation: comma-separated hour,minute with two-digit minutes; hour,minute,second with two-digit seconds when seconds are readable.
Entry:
8,15,05
